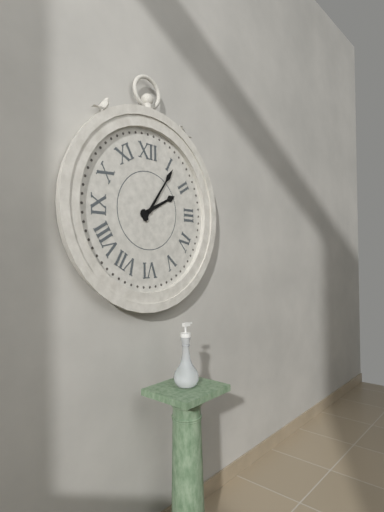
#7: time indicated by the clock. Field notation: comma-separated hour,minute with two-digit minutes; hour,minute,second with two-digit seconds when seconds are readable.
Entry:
2,06
